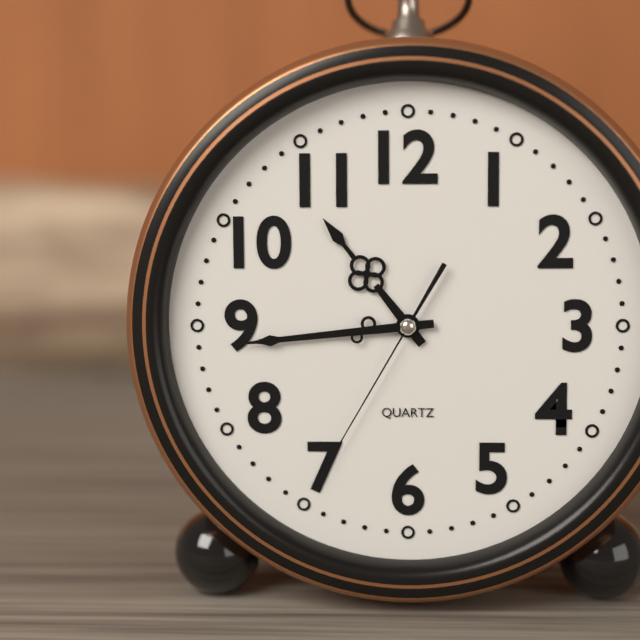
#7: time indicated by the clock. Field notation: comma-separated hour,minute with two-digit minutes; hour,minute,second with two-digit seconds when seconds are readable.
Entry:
10,44,35
